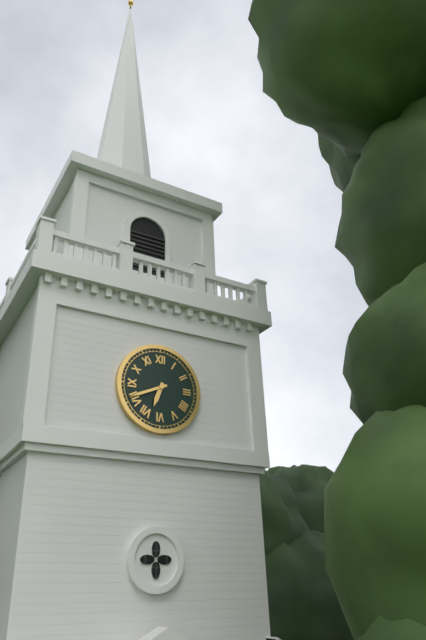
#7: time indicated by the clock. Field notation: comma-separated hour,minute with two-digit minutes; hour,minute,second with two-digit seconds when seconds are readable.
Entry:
6,41
